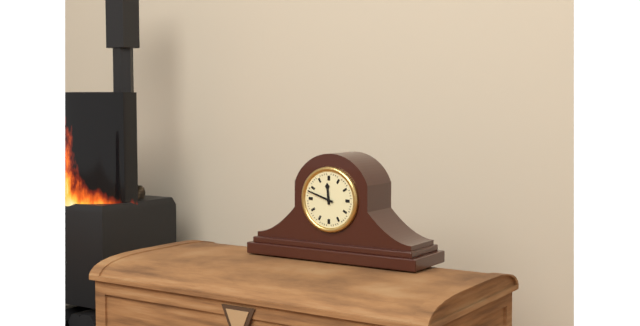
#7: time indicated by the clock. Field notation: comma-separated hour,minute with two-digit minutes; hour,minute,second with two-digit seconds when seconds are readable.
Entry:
11,48
